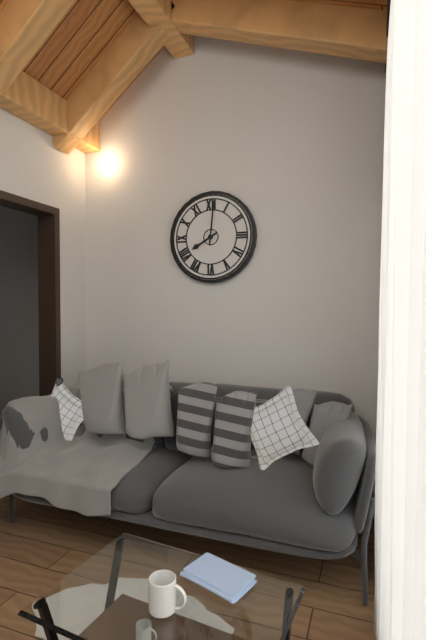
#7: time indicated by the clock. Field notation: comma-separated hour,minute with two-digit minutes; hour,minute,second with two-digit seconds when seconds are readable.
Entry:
8,01
